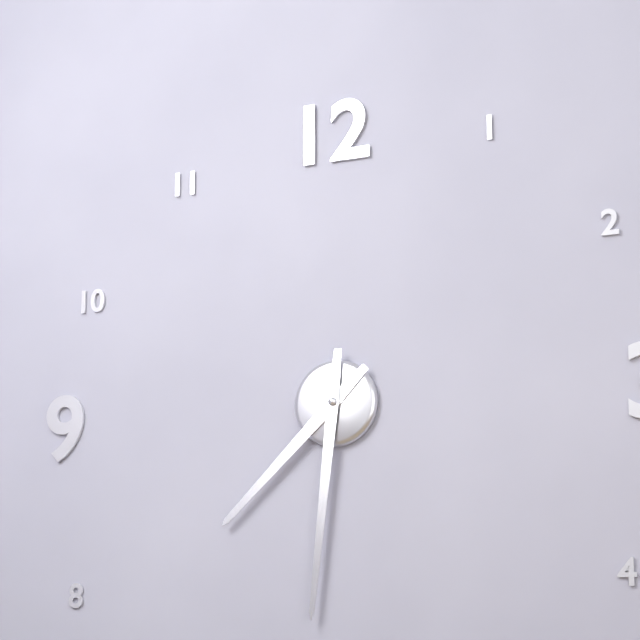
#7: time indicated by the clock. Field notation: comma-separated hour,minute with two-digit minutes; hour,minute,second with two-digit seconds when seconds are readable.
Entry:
7,31
